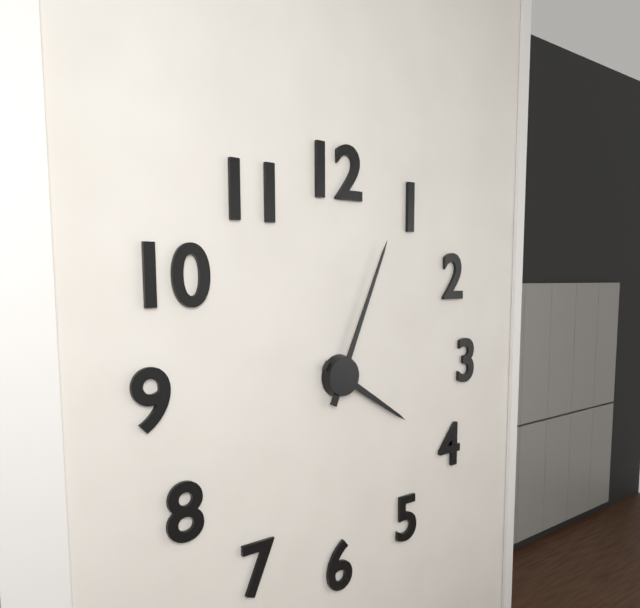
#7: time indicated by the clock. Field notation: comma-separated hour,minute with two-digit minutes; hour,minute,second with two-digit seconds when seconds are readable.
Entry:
4,04
